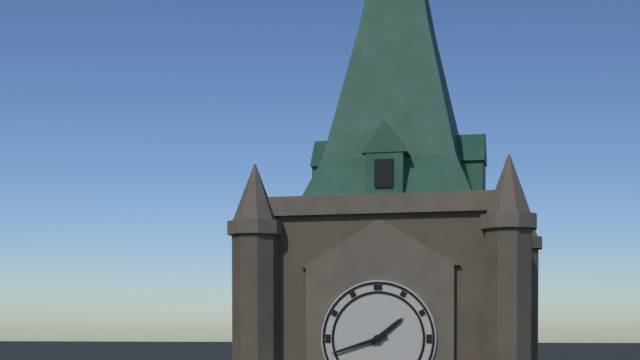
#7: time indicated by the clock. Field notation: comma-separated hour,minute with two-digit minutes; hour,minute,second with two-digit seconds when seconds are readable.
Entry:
1,42
